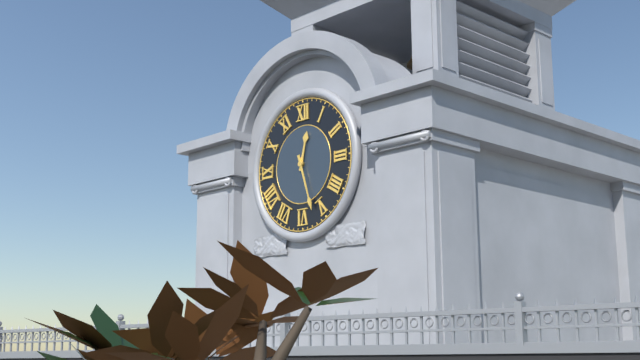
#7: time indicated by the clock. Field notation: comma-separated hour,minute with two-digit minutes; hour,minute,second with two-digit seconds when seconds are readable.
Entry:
12,27
